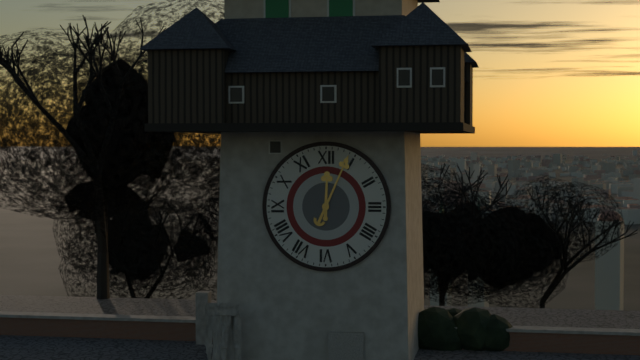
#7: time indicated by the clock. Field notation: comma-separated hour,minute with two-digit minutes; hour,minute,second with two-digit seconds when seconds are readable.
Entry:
12,04
